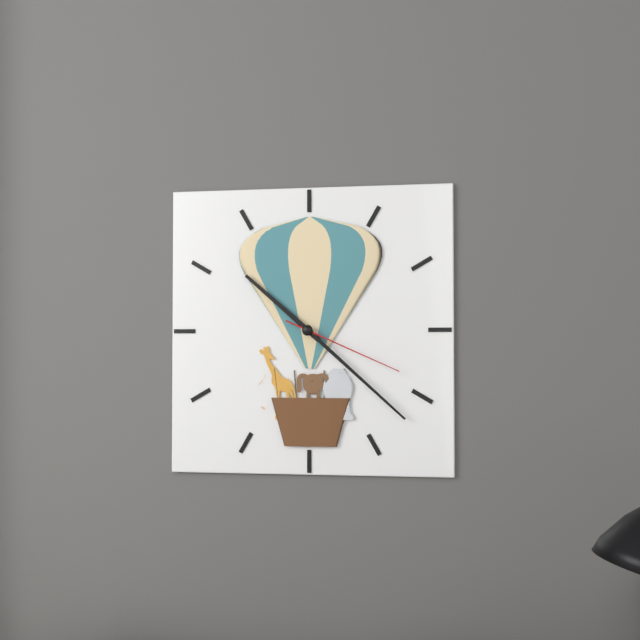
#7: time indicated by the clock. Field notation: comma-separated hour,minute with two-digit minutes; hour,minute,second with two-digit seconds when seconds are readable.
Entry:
10,22,19
